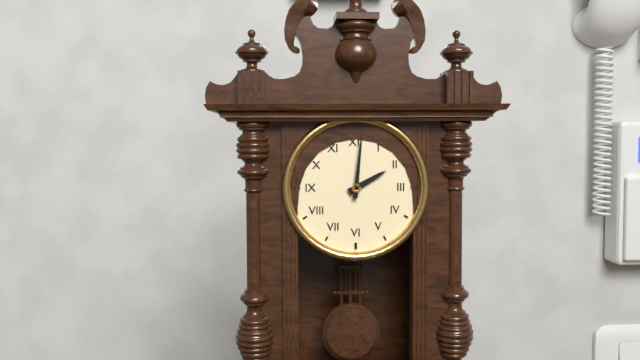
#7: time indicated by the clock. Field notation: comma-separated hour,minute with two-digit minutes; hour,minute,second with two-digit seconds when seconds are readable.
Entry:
2,01
